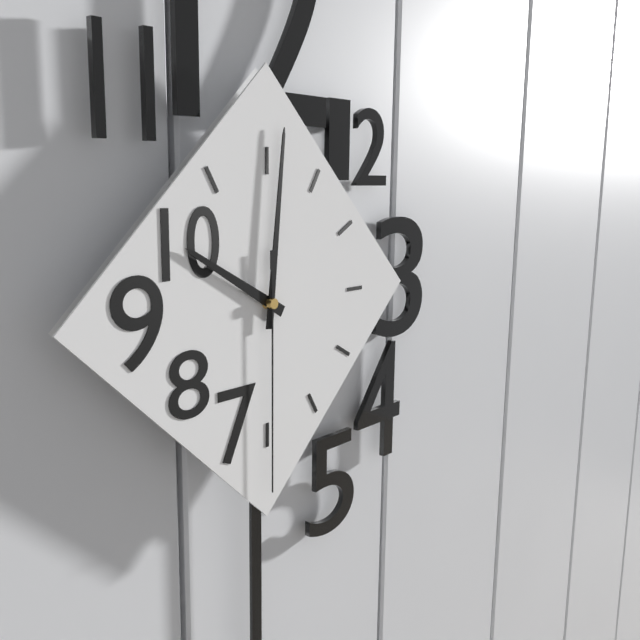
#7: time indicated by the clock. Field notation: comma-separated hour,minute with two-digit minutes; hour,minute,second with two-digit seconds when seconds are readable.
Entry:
10,01,30
